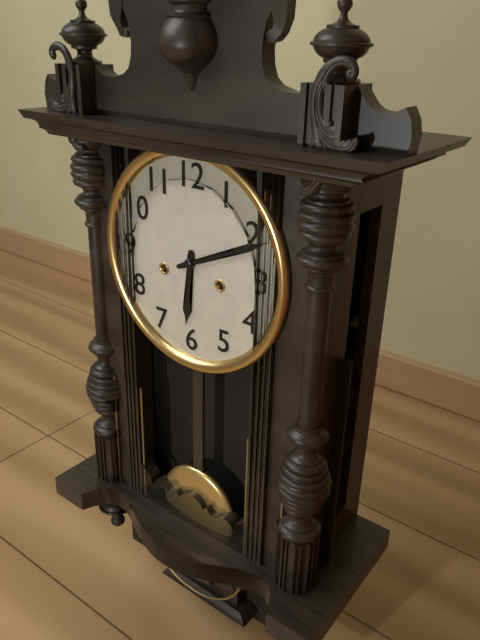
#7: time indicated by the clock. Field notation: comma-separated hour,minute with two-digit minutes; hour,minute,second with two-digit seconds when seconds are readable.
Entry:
6,11
